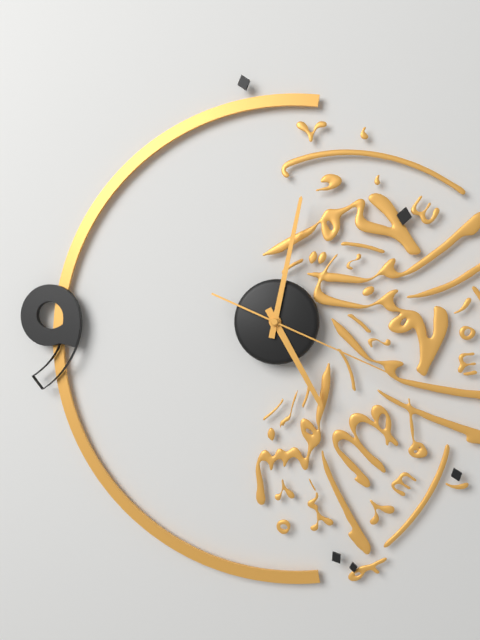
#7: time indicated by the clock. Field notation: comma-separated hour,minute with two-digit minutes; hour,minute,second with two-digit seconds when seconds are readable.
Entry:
5,02,19
